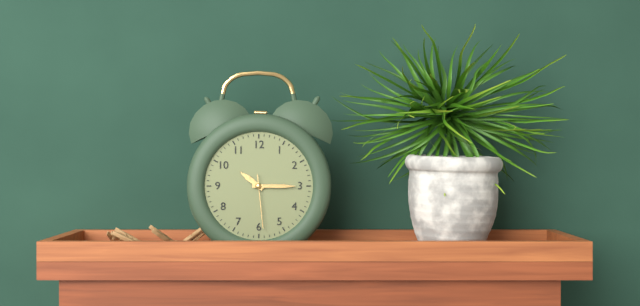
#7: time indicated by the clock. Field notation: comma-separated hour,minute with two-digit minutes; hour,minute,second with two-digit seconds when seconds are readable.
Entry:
10,15,29
